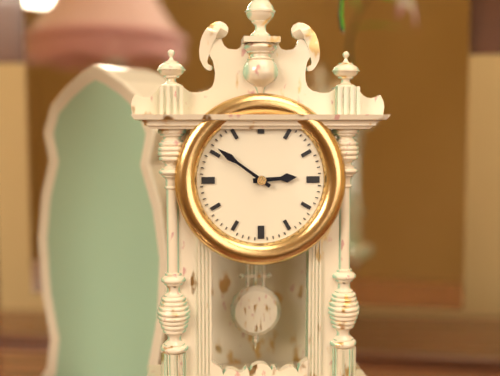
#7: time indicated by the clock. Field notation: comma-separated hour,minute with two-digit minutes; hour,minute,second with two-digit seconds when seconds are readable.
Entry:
2,51
